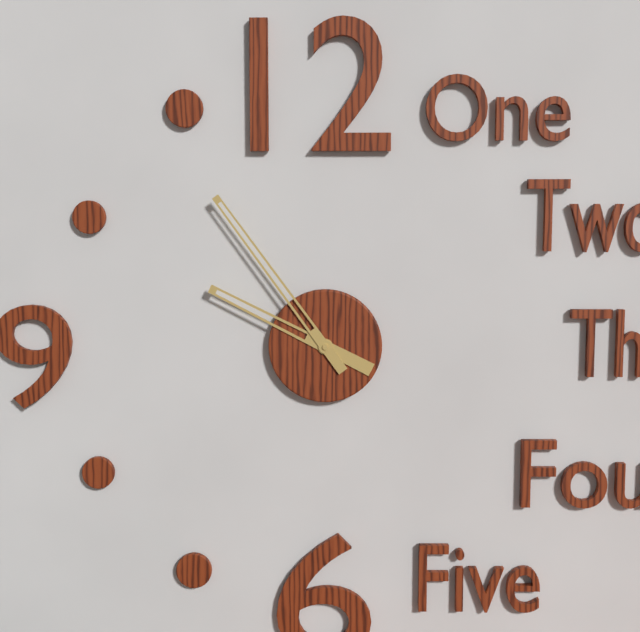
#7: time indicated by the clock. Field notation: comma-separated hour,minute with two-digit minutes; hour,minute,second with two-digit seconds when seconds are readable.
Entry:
9,54
